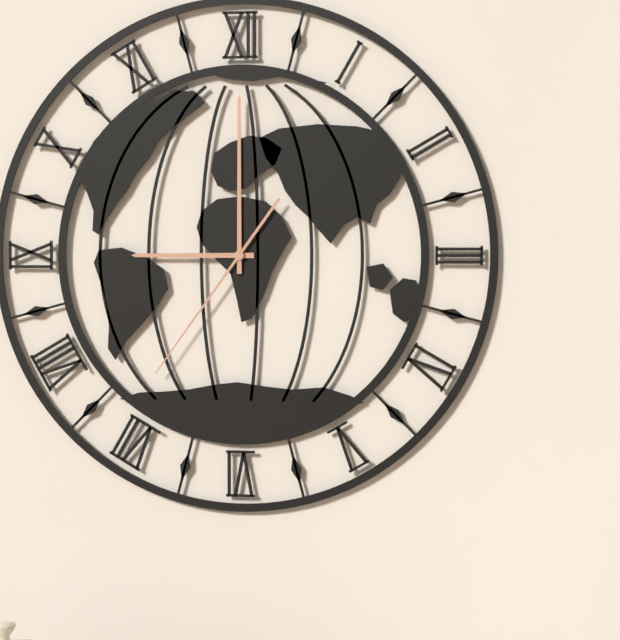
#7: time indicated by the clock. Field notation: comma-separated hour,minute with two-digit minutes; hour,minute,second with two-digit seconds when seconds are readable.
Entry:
9,00,36
